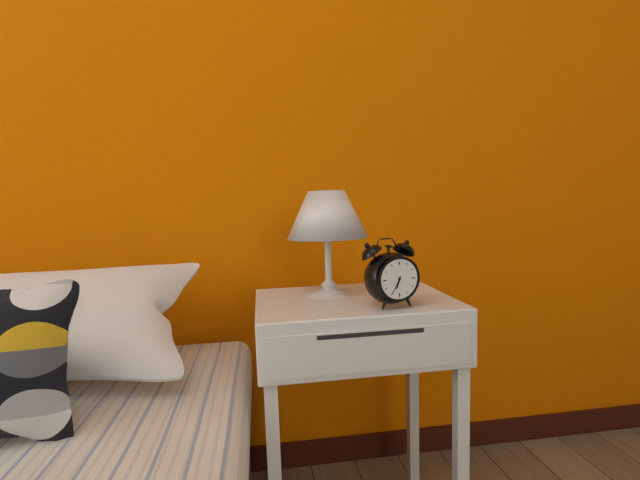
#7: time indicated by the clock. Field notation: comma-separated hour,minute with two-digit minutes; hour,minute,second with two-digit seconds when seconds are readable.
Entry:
6,35
